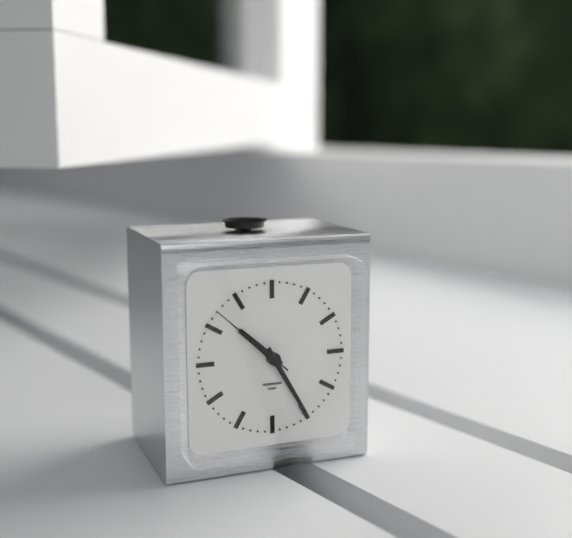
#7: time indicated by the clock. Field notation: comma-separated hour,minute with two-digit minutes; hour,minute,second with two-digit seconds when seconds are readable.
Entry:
10,25
